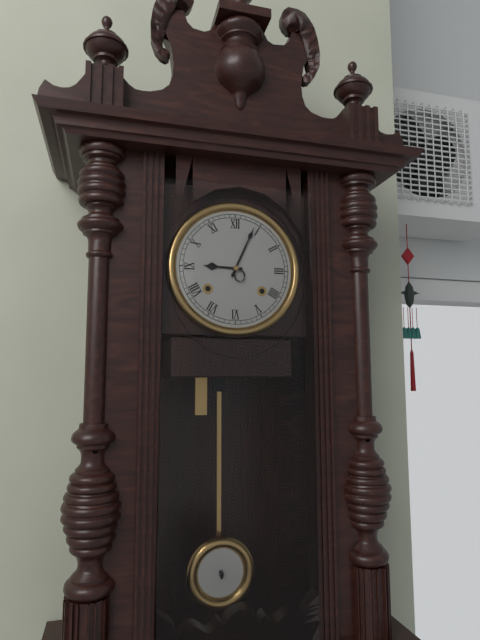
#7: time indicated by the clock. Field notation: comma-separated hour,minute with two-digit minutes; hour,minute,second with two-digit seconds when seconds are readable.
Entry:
9,04
